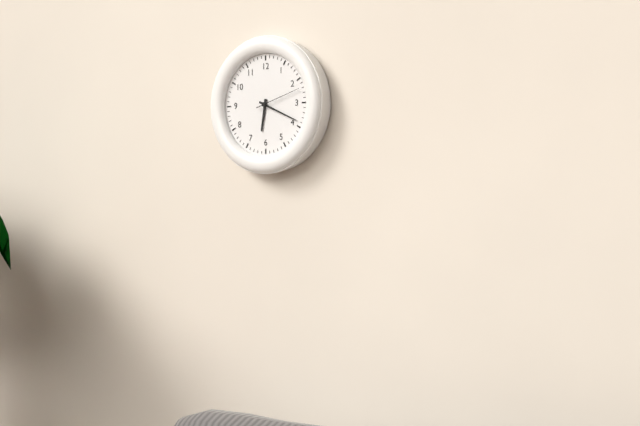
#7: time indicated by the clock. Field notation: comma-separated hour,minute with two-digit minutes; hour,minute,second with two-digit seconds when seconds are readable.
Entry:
6,19
